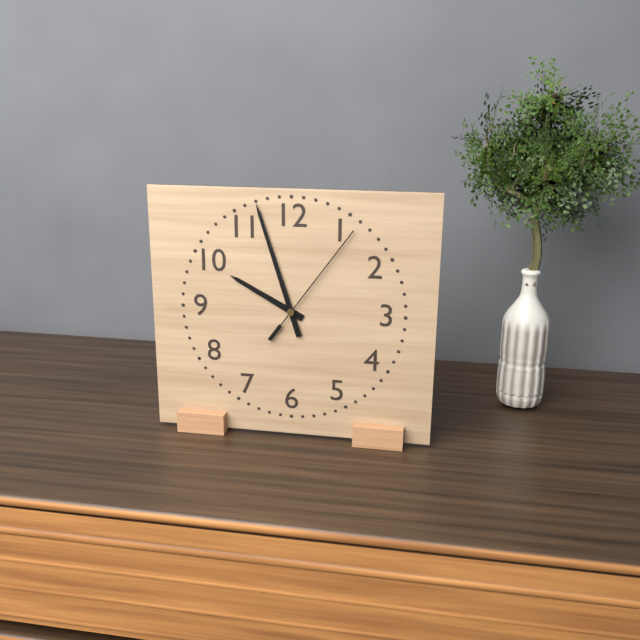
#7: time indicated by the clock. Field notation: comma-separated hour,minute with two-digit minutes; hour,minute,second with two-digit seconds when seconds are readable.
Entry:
9,57,06
